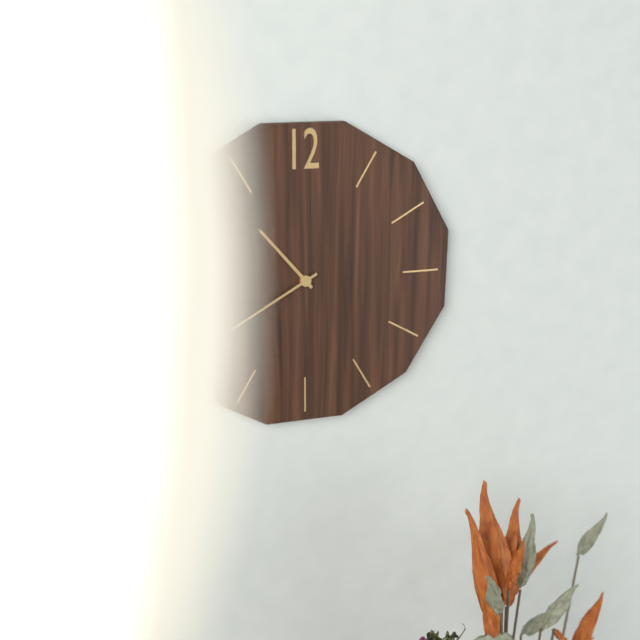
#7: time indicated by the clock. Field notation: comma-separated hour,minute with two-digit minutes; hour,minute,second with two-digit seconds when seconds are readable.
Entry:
10,40
